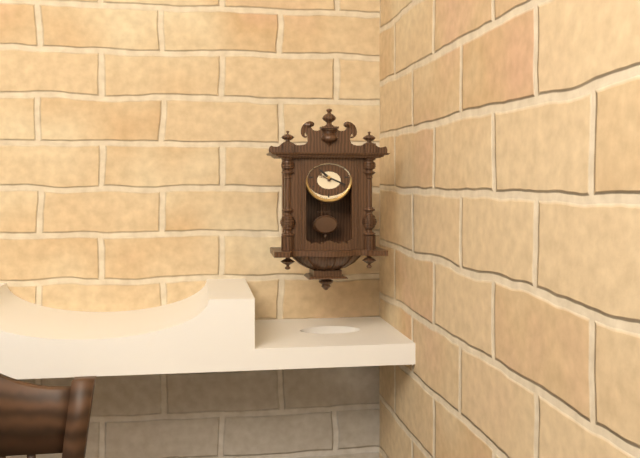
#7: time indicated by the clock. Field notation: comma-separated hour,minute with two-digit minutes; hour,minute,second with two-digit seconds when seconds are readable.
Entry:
10,19
